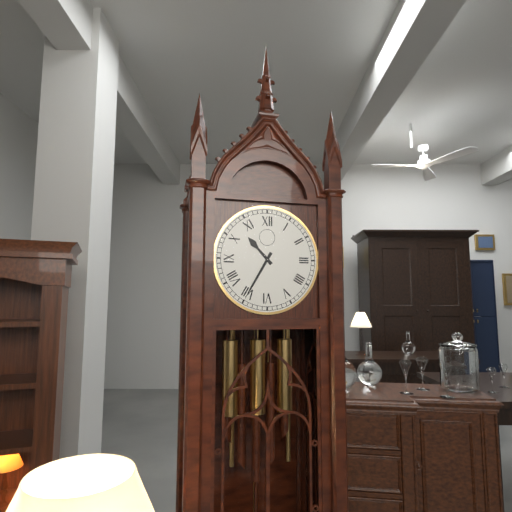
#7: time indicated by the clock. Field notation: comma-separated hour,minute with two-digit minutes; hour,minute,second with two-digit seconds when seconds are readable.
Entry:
10,35
